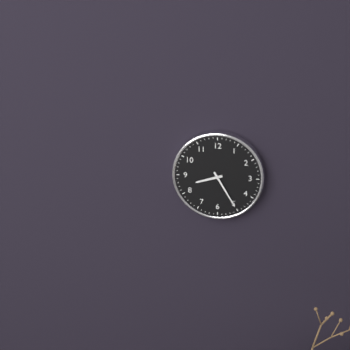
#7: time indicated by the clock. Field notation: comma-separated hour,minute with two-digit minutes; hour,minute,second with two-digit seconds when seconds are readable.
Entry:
8,25
